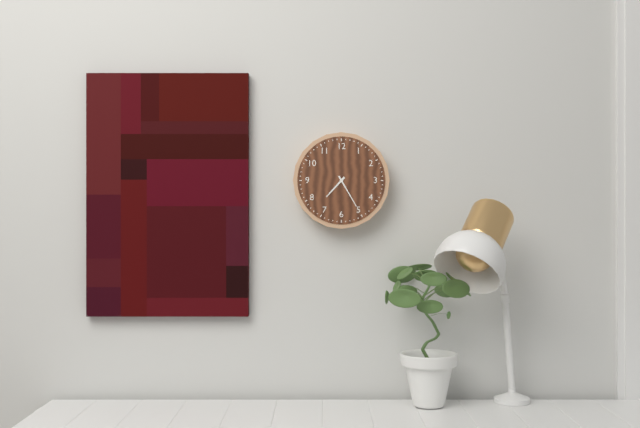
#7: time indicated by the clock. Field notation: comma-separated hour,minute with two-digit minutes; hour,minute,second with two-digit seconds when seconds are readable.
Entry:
7,25
